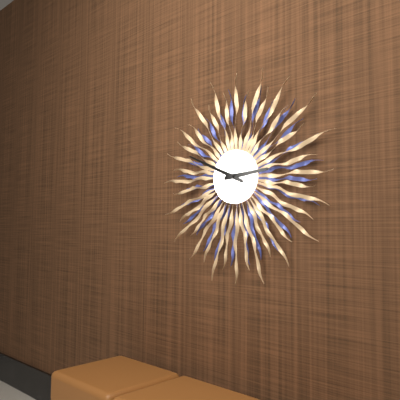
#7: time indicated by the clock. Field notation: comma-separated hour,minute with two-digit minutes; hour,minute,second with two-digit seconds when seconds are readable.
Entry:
2,49
